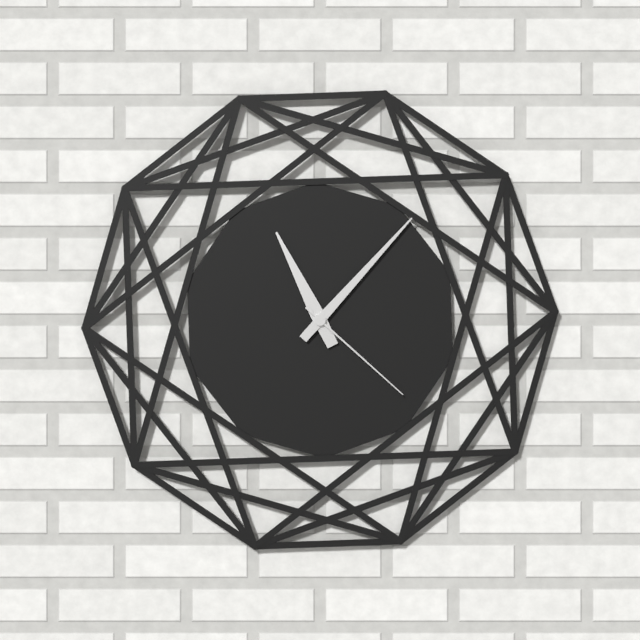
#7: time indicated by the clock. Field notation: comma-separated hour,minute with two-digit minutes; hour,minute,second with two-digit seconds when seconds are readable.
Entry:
11,07,22
